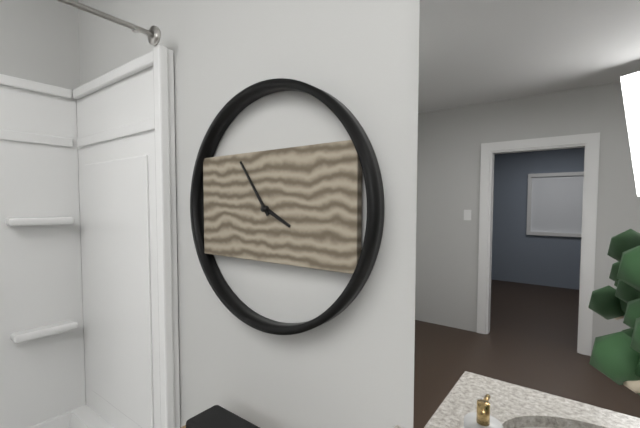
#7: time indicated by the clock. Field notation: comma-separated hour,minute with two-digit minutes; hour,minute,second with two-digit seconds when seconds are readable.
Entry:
3,54
